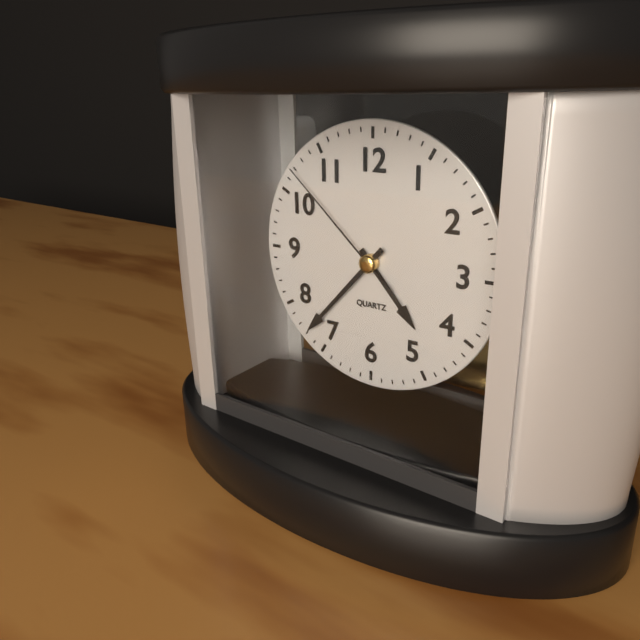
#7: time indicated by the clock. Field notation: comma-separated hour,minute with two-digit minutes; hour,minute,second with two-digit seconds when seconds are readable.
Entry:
4,37,52
